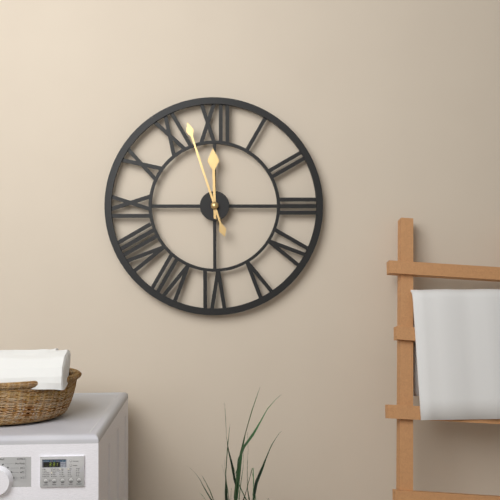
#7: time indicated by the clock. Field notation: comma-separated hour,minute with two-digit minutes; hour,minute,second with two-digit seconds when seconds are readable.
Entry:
11,57
